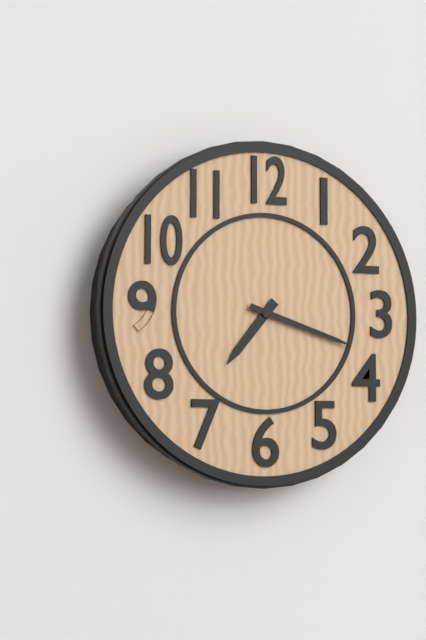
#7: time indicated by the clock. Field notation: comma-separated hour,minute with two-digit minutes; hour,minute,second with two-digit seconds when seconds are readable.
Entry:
7,18
